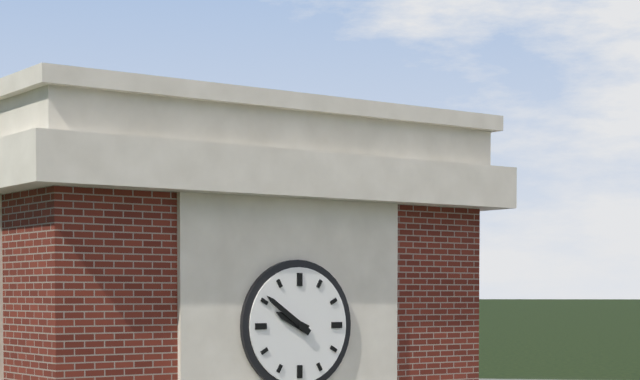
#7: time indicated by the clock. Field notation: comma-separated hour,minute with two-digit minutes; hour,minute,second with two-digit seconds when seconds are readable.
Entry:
9,51
